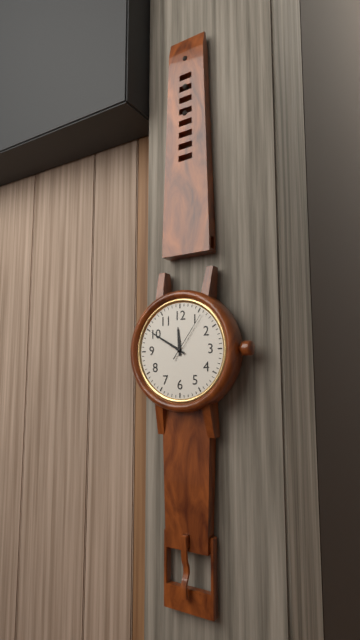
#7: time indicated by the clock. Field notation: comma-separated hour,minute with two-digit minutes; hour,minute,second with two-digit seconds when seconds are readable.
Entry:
11,50,06
